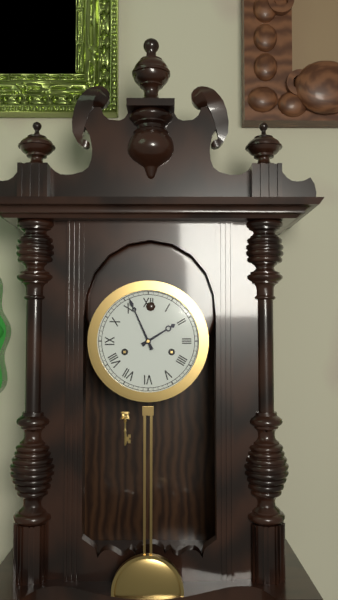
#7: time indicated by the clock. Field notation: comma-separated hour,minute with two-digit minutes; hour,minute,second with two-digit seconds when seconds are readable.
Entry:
1,56
